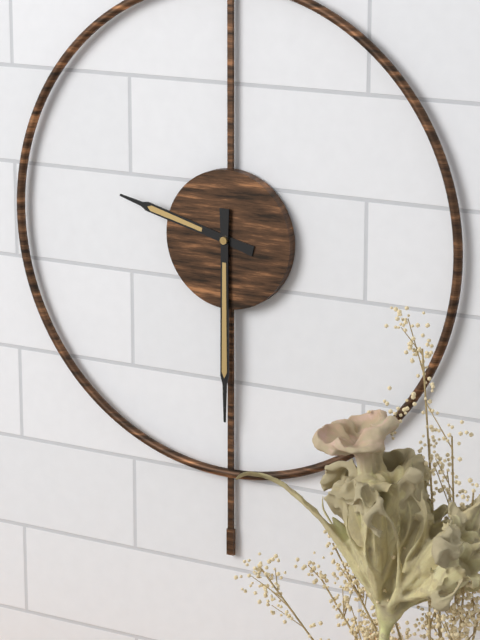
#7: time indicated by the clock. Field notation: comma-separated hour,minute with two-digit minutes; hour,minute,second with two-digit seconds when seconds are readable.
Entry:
9,30
